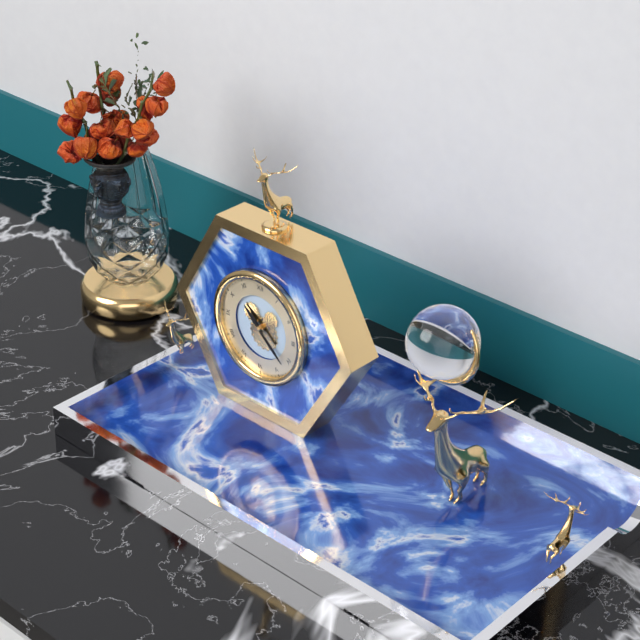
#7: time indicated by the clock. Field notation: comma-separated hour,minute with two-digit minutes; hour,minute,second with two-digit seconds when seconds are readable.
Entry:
10,22
